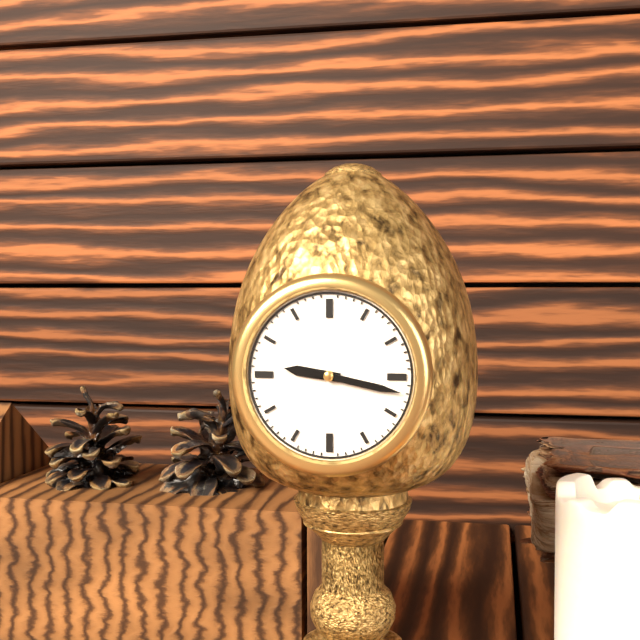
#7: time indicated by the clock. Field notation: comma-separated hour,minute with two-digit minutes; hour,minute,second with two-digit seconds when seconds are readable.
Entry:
9,17
